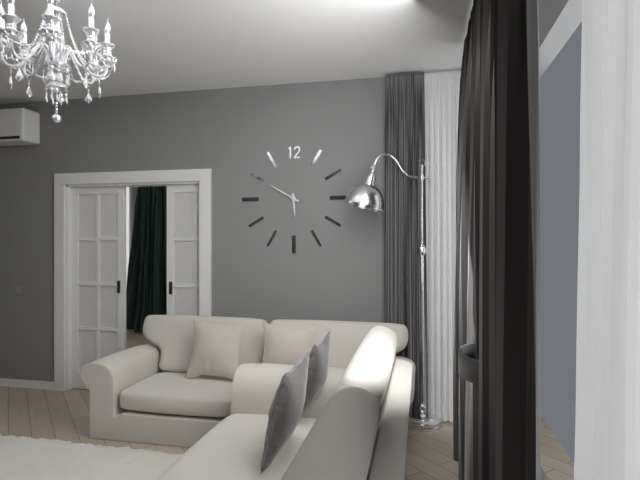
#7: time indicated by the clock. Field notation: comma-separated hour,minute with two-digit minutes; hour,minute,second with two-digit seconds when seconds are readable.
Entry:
5,50
